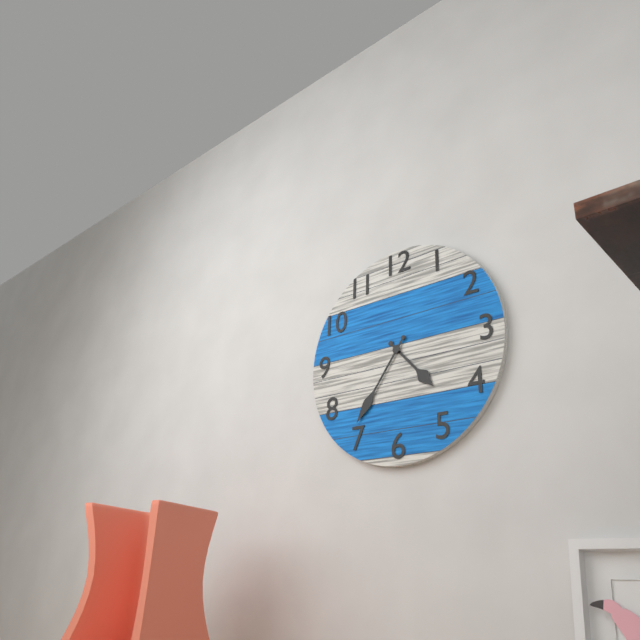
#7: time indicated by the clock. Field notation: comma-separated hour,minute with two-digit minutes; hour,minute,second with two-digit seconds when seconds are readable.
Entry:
4,36
